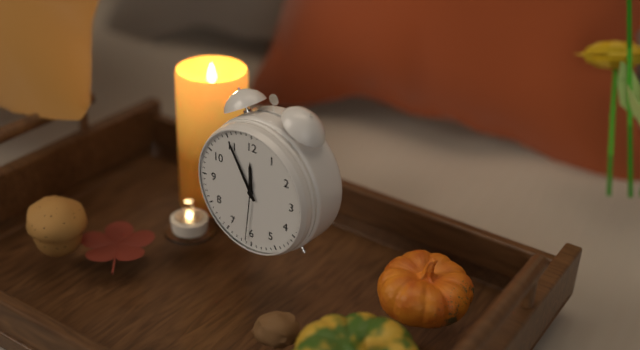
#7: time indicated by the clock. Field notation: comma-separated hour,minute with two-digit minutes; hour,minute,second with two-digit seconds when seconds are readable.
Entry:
11,55,31
